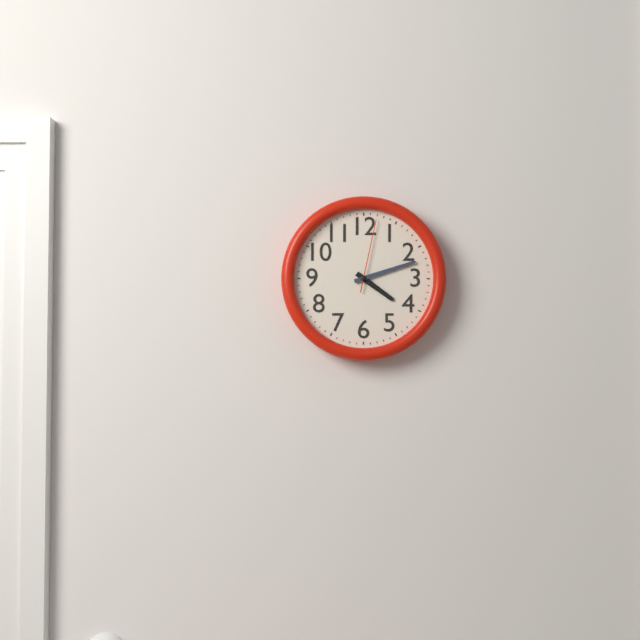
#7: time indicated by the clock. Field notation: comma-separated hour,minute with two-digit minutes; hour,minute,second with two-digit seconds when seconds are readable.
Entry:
4,12,02
